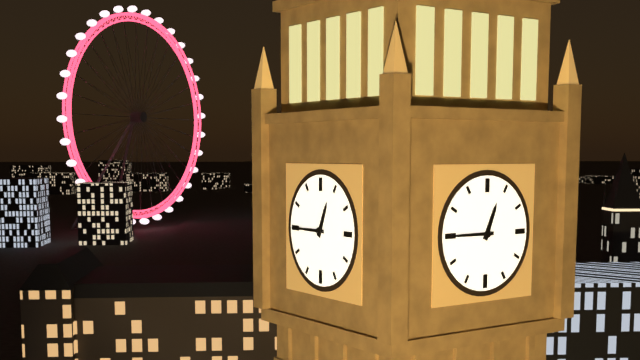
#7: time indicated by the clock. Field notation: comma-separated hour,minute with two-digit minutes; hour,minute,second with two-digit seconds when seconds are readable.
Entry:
12,45
